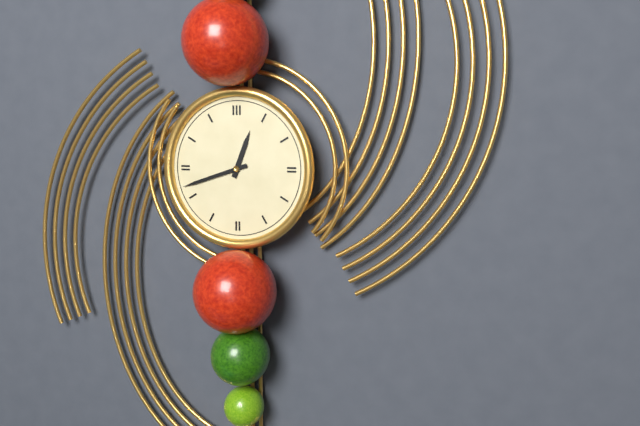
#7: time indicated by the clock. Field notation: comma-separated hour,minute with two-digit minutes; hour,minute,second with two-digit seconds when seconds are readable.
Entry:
12,42
